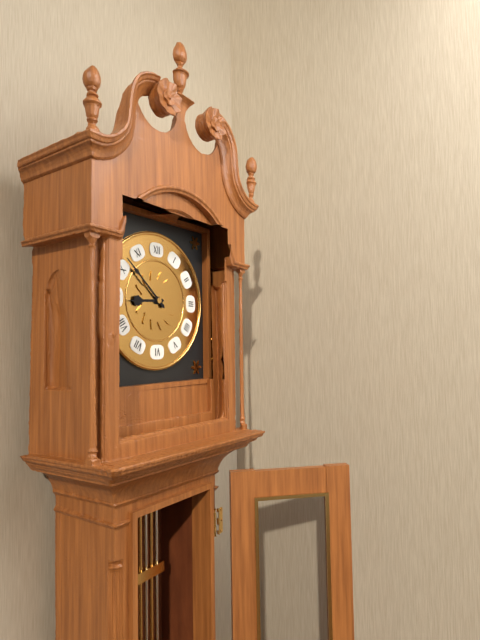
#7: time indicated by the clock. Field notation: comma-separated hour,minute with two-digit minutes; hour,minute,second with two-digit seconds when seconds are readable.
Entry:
8,52
